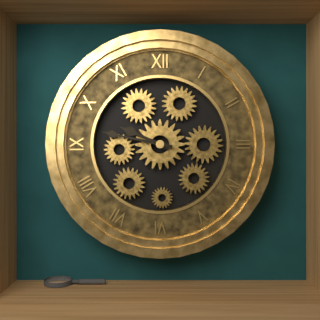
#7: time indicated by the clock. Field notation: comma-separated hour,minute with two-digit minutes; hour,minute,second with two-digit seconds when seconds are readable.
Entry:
9,47
